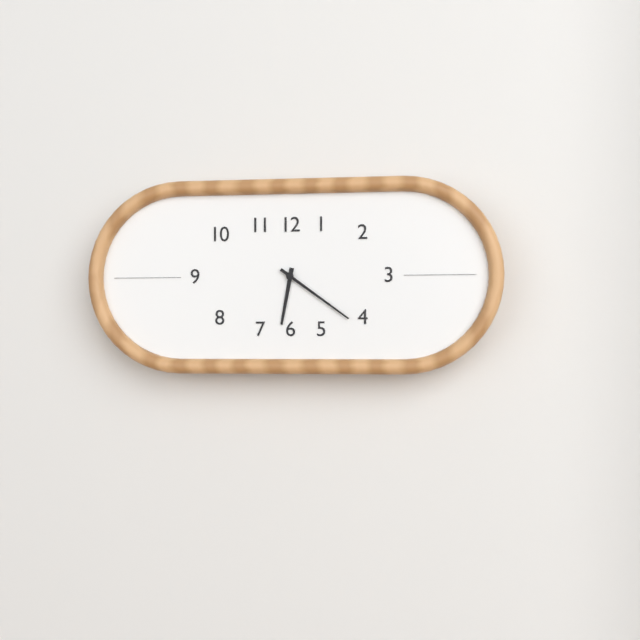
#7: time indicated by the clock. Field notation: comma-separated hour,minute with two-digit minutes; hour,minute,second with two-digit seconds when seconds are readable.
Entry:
6,21
